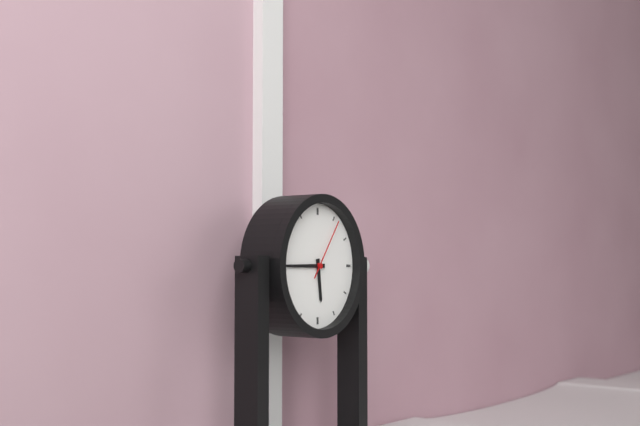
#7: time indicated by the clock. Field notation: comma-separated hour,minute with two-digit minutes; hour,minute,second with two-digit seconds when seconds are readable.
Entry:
5,45,06
